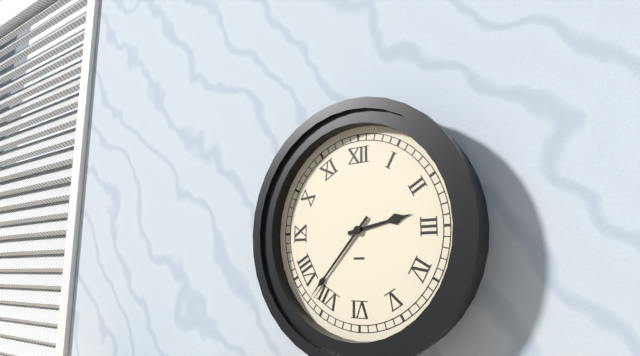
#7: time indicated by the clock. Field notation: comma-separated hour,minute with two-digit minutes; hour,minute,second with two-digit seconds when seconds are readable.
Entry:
2,37
